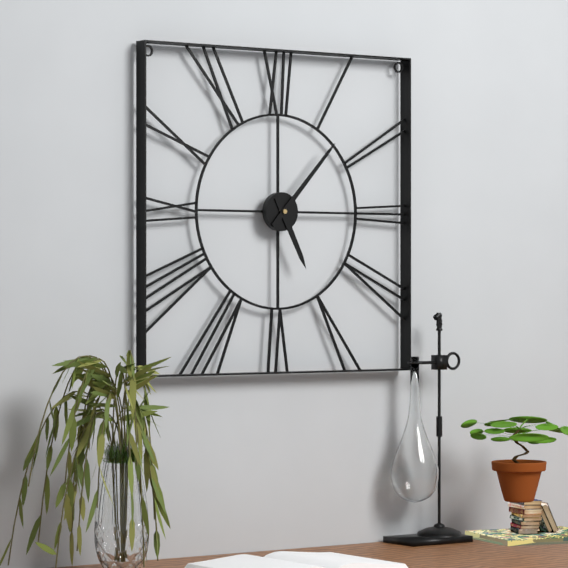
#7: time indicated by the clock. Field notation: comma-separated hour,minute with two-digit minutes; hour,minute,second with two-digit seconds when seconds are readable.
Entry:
5,07
